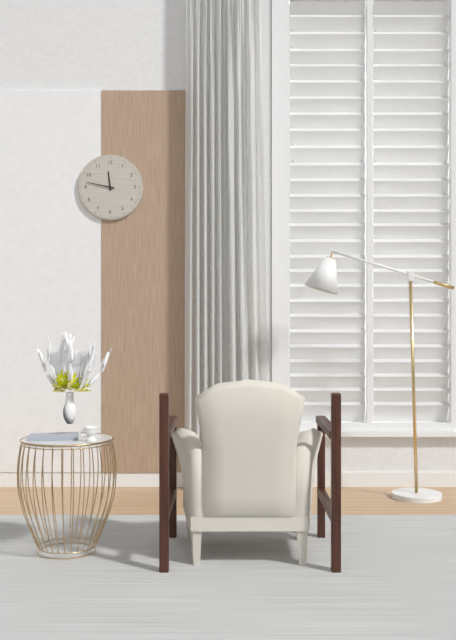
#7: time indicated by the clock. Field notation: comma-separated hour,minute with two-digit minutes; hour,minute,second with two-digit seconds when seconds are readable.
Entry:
11,47
